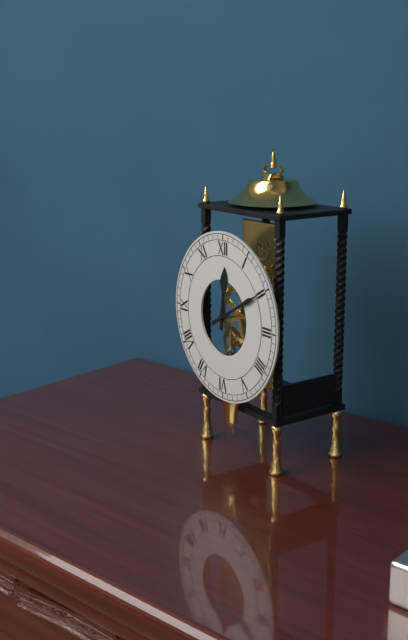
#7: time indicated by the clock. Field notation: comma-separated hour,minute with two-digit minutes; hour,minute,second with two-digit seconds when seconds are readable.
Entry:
12,10
